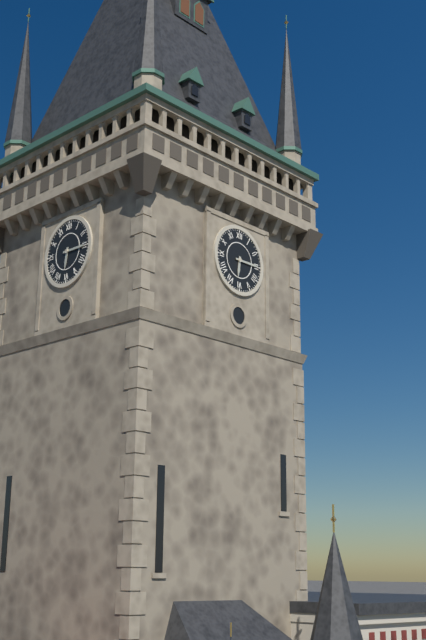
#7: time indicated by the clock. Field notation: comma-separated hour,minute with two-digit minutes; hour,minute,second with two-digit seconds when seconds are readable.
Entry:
6,15
